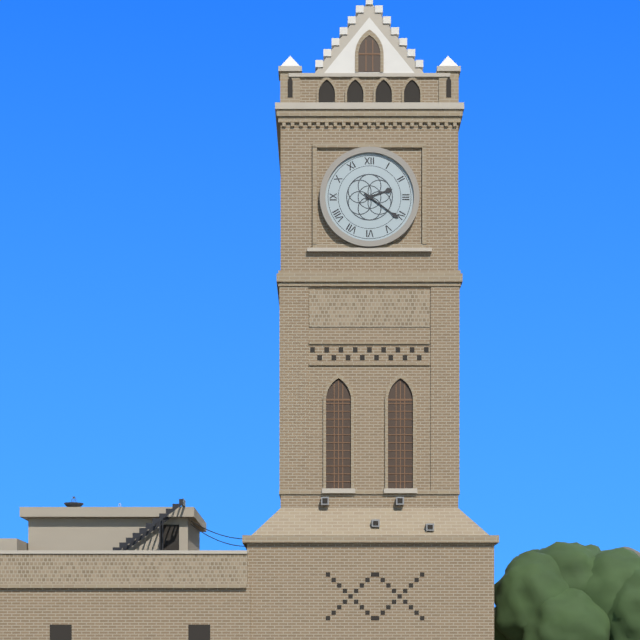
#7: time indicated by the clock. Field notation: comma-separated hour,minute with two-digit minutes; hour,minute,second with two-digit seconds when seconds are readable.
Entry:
2,21
